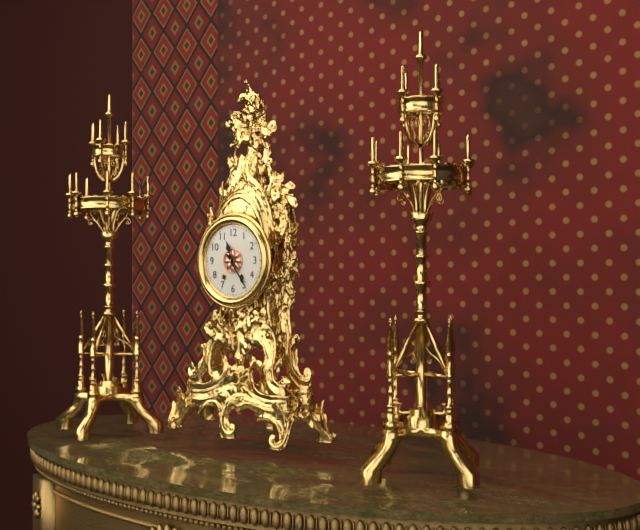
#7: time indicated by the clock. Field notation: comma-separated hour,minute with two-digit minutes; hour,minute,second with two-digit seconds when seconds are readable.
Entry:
11,24
